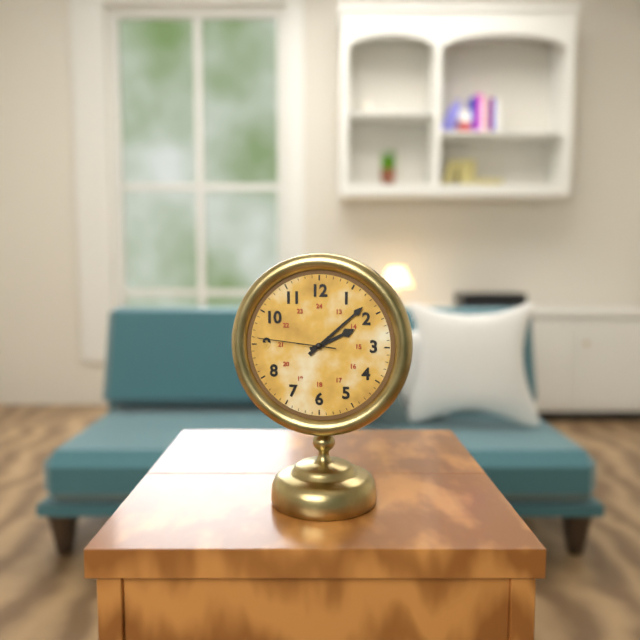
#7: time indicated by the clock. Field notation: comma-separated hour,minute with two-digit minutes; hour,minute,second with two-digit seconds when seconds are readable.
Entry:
2,08,46
